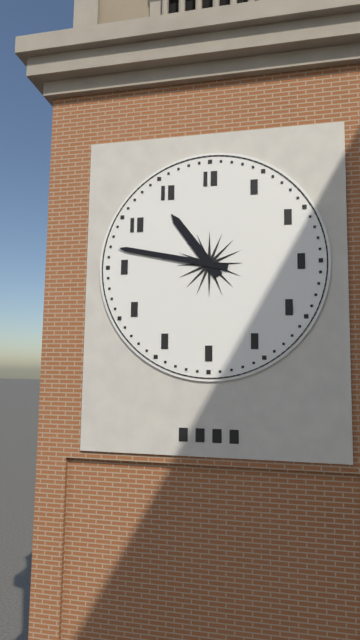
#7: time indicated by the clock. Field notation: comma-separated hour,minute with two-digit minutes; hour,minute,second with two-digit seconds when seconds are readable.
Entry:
10,47
